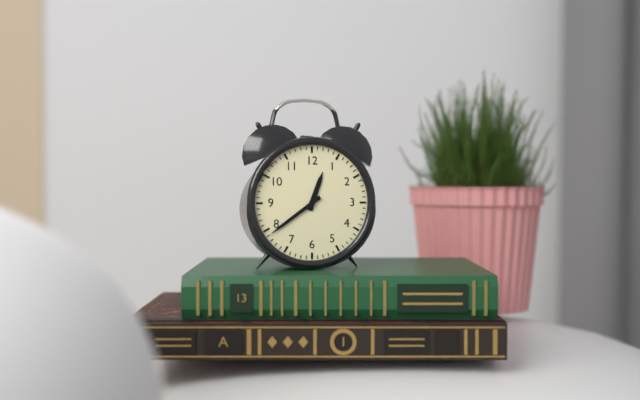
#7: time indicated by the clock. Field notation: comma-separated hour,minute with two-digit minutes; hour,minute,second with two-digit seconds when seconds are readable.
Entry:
12,39
